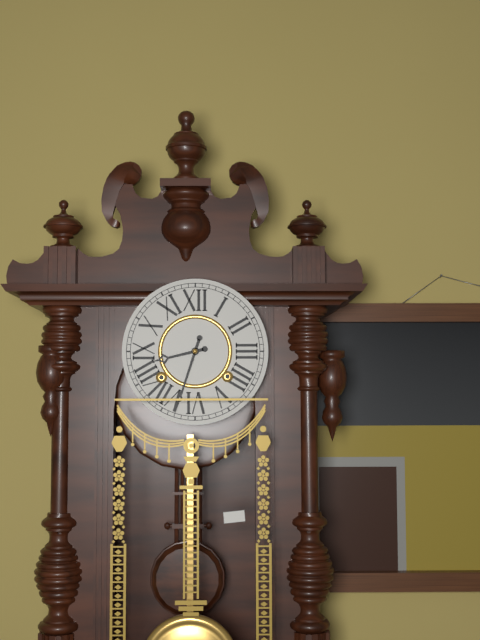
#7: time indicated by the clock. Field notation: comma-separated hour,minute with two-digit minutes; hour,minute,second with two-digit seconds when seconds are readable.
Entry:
8,33
